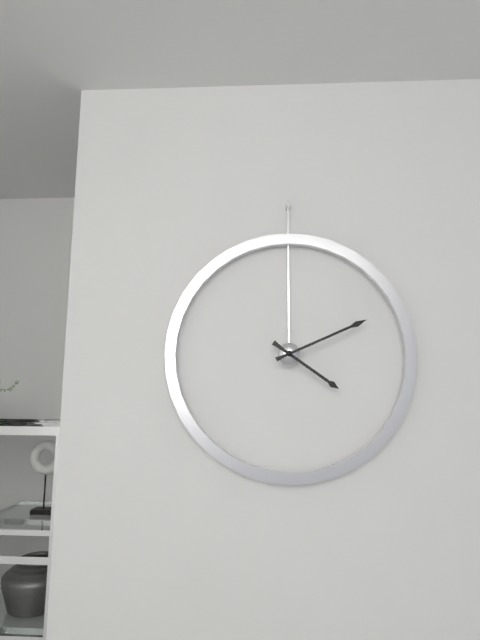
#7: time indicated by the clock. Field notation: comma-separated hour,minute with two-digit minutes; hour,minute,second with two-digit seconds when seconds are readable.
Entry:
4,11
